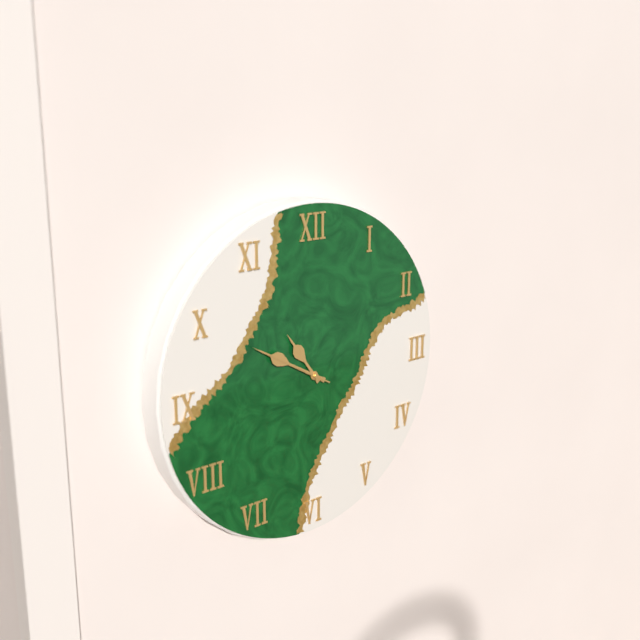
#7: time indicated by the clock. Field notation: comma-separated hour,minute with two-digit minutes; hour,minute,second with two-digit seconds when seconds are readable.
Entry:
10,50,50
